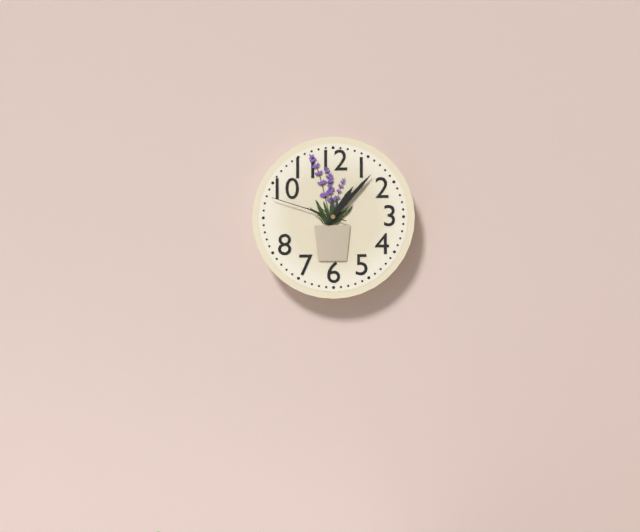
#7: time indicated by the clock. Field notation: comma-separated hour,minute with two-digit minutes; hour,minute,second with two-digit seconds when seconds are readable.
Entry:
1,07,48
